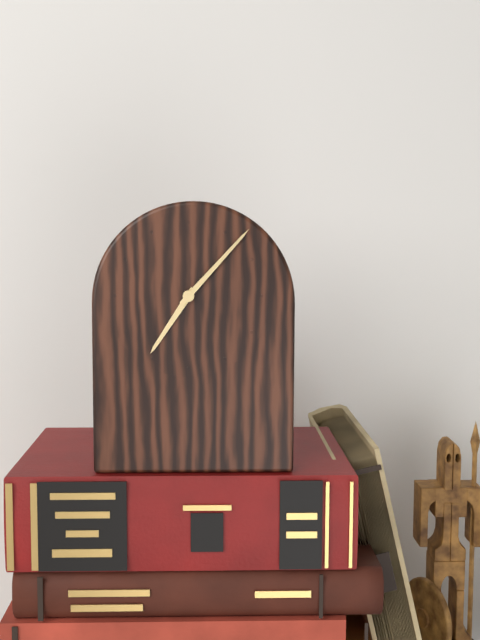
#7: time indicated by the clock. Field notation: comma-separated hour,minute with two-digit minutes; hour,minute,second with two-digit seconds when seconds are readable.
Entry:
7,07
